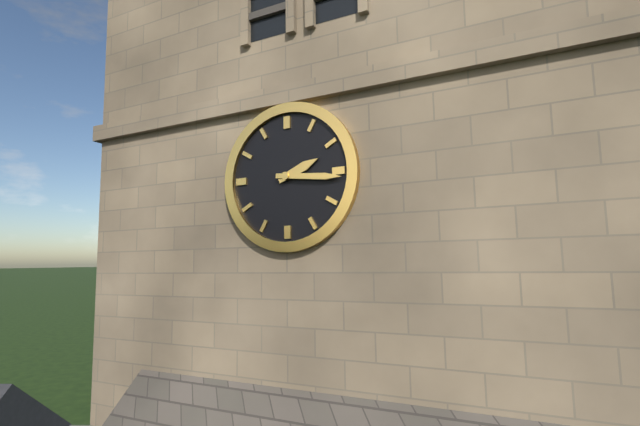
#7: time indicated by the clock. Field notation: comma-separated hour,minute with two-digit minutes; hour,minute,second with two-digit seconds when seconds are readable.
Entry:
2,16
